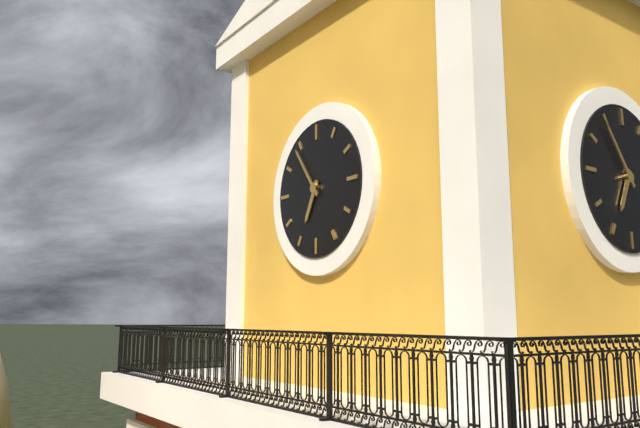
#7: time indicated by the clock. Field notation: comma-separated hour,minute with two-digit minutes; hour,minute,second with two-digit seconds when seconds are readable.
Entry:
6,54
